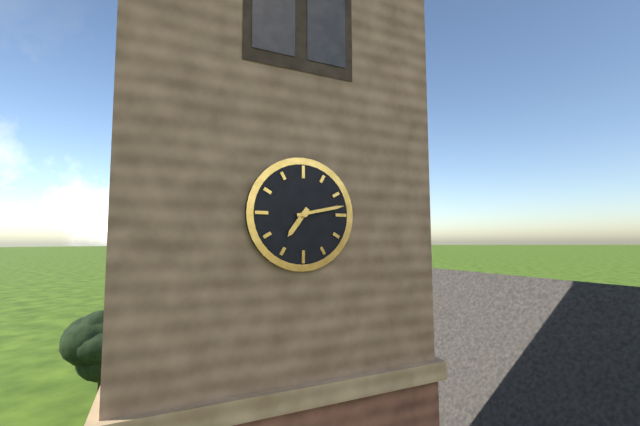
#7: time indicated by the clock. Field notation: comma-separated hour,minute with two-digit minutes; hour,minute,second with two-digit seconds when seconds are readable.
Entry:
7,13
